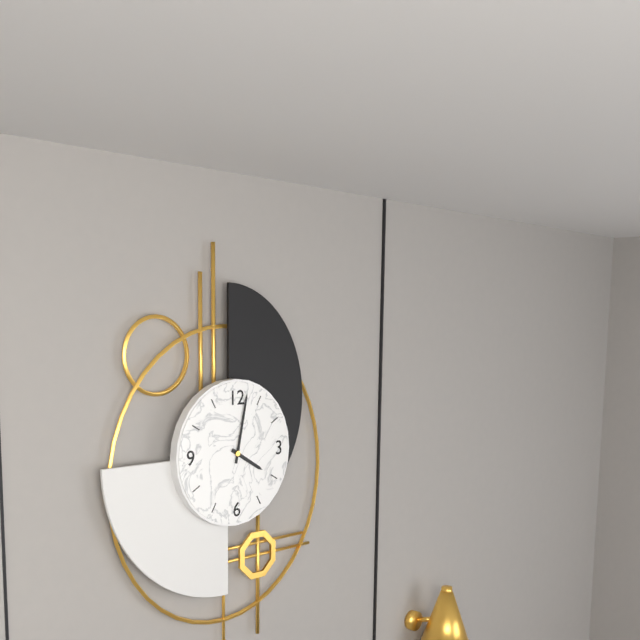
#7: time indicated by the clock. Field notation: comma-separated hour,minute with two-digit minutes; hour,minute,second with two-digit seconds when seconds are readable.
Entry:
4,02
